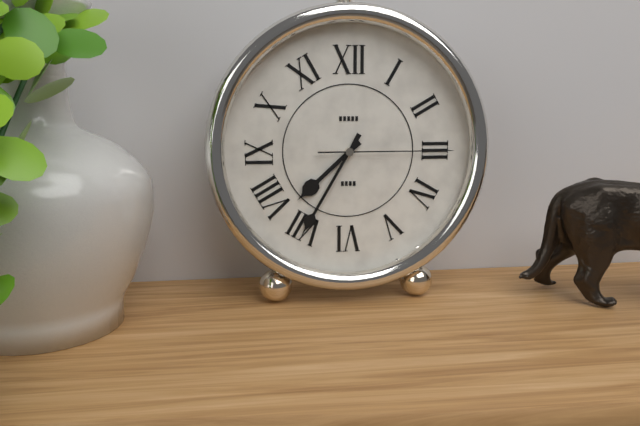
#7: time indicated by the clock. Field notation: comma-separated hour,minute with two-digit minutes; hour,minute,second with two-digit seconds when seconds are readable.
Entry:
7,35,15
